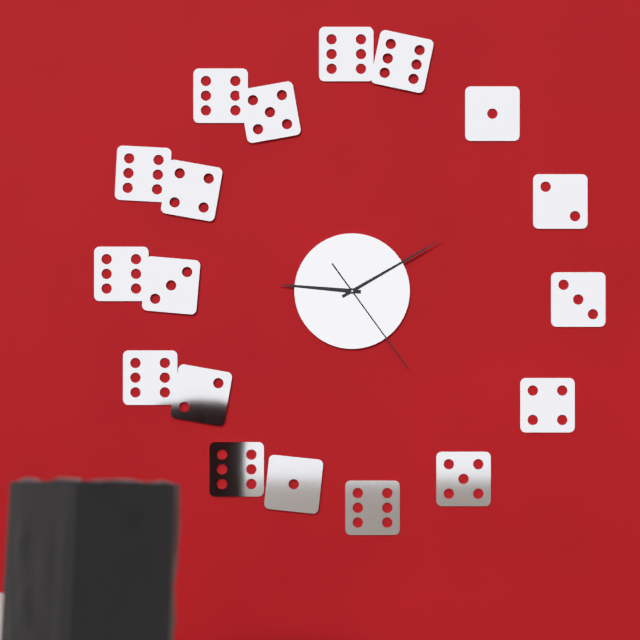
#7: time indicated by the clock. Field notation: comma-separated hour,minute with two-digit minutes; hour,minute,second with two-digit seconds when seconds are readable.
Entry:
9,10,24
